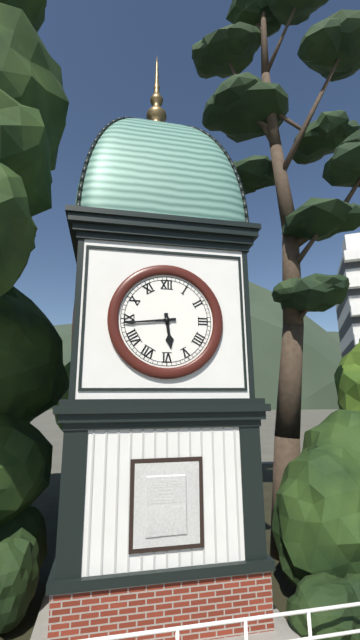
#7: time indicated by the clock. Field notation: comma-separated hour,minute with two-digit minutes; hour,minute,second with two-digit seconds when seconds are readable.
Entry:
5,44
